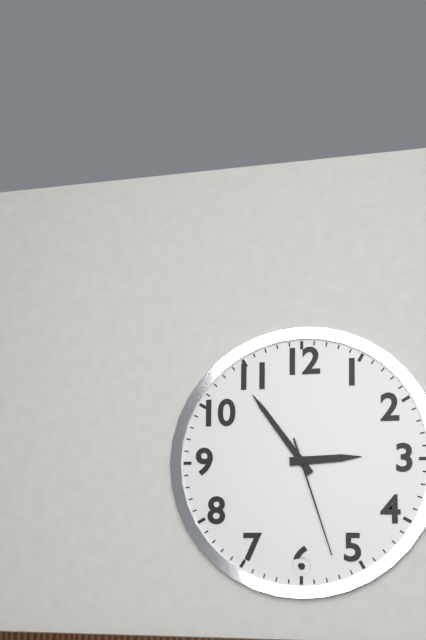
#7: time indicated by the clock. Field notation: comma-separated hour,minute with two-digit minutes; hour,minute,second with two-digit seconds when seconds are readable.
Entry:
2,54,27
